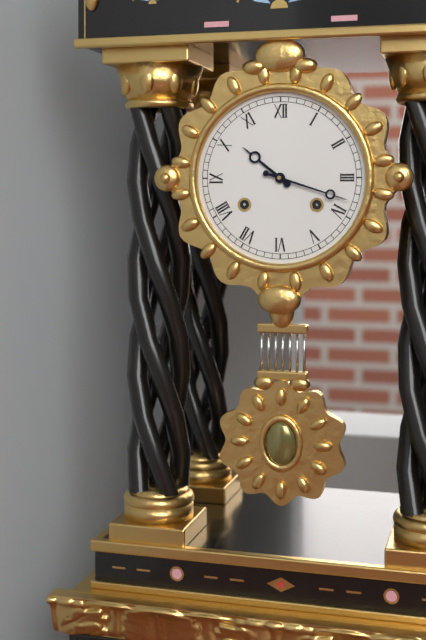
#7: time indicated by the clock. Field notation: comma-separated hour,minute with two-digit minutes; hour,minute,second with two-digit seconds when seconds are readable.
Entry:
10,18
